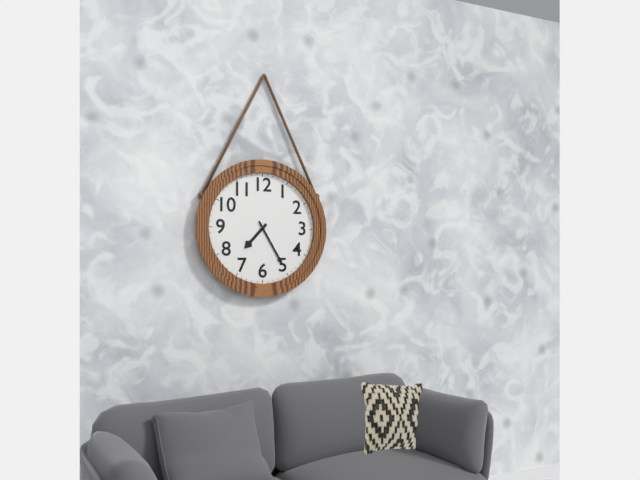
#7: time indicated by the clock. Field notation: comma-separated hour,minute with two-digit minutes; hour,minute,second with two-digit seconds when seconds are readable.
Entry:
7,25
